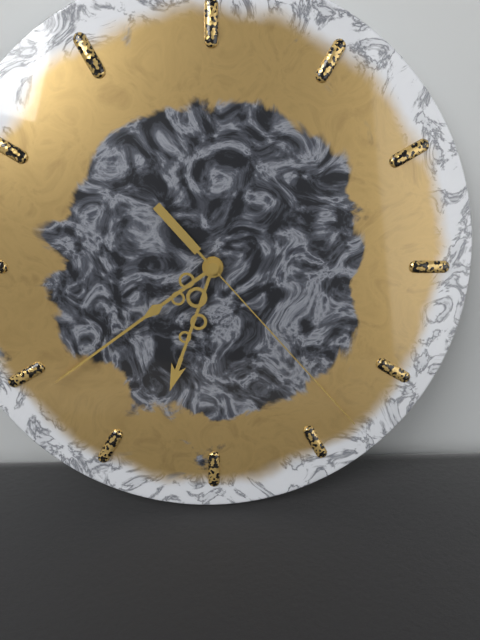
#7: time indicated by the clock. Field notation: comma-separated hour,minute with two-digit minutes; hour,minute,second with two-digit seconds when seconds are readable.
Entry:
6,39,23
